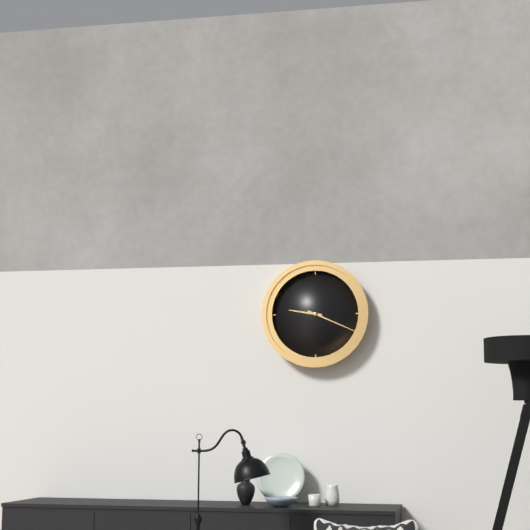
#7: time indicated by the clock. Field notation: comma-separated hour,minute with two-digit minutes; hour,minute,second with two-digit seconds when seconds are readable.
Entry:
9,19
